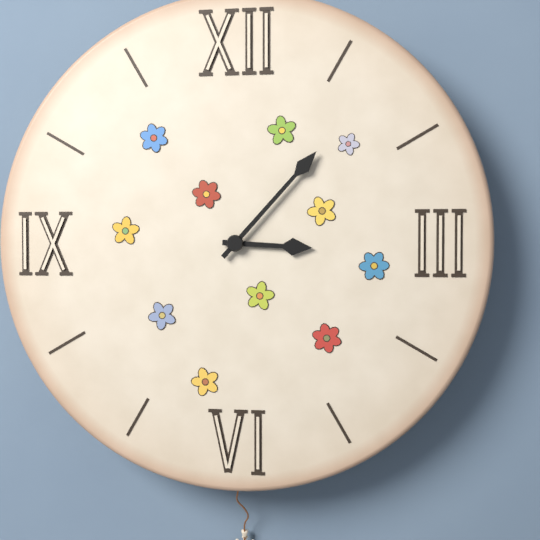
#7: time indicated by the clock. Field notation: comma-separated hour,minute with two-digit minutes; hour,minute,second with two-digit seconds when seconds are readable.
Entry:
3,07
